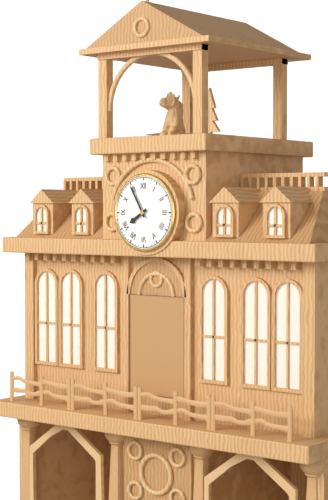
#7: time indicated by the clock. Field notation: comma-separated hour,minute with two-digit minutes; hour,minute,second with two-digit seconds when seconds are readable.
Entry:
7,55
